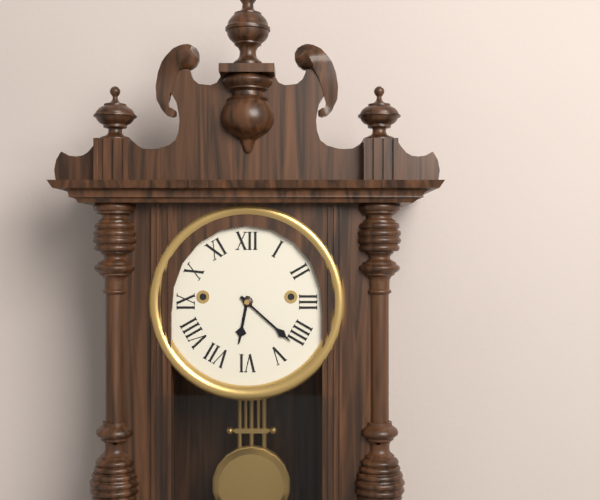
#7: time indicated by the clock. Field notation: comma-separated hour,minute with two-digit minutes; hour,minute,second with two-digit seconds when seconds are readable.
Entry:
6,22
